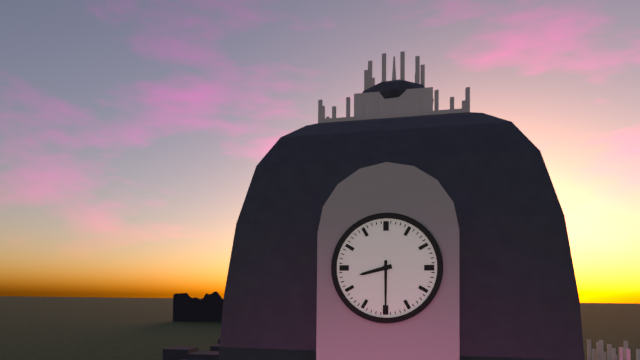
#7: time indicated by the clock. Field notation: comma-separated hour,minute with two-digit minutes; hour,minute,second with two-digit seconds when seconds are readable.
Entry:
8,30
